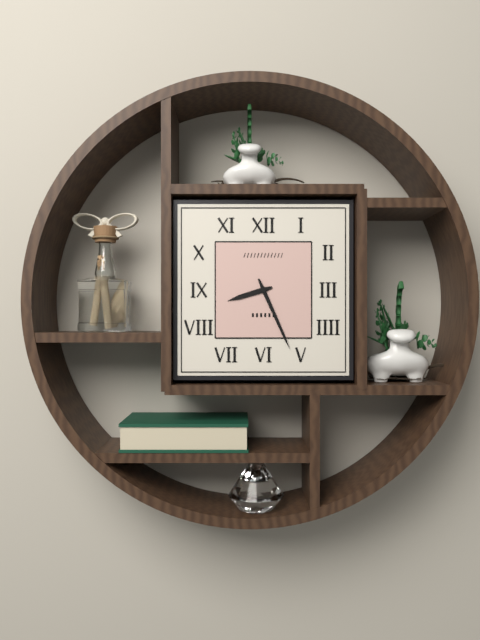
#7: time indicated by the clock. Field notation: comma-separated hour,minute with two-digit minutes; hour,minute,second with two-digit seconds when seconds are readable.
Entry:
8,26
